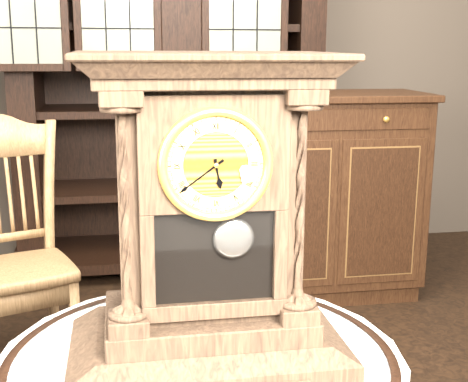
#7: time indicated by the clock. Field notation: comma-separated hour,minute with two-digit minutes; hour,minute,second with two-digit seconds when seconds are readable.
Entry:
5,39
